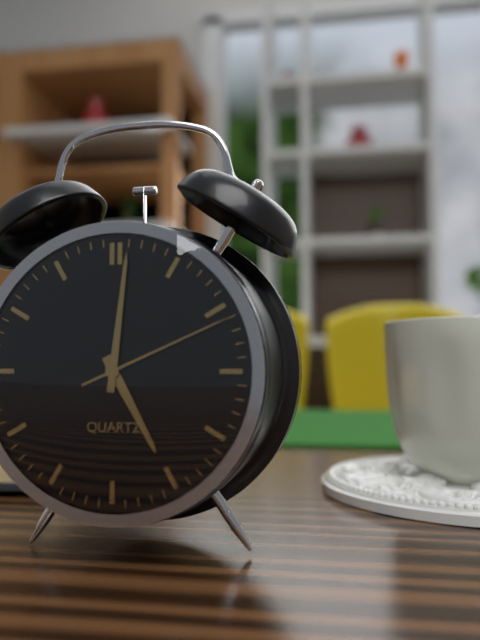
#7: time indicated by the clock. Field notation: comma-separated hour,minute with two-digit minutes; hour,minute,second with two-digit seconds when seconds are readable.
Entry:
5,01,11
